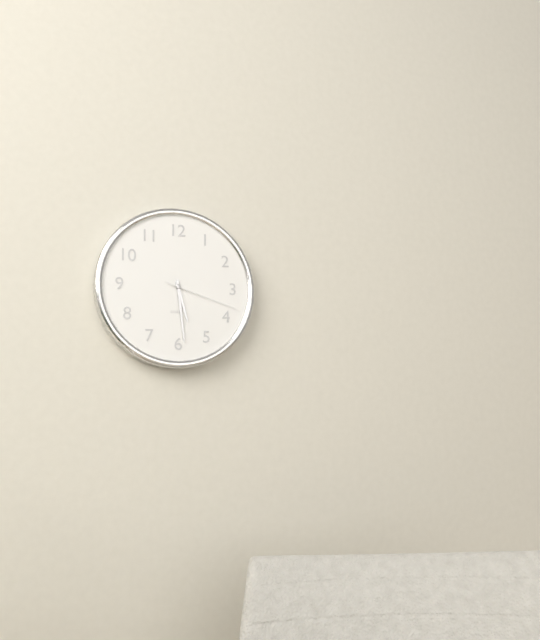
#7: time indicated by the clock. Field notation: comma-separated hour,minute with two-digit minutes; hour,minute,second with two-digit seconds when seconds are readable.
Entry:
5,29,18
